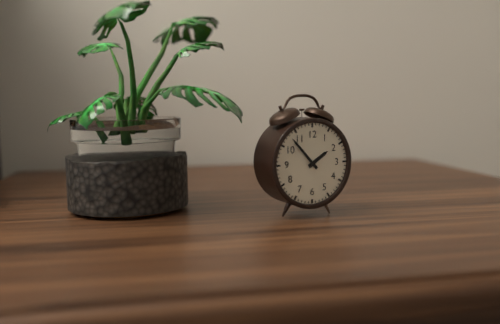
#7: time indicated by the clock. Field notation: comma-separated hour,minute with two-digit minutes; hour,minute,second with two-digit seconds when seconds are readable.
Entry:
1,53
